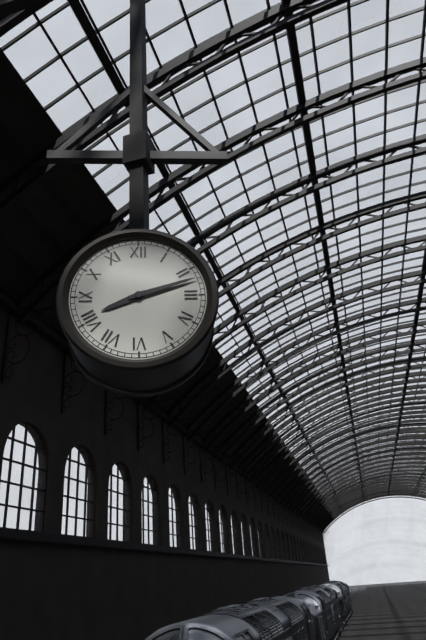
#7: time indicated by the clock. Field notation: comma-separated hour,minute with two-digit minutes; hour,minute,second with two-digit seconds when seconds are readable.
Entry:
8,12
